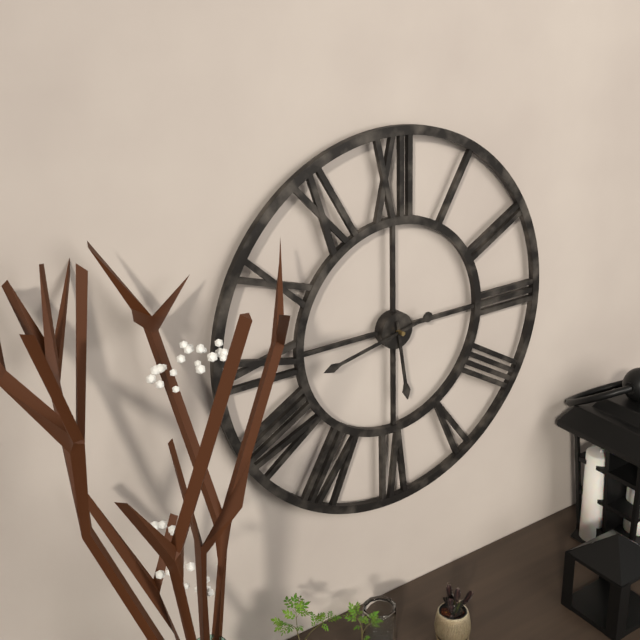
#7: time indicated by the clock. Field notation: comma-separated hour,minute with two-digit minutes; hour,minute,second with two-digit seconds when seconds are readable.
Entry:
5,43
